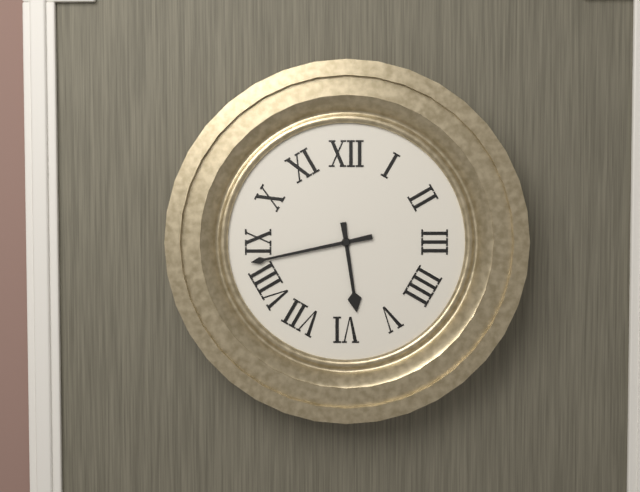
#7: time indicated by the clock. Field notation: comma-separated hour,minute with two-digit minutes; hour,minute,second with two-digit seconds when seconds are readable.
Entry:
5,43
